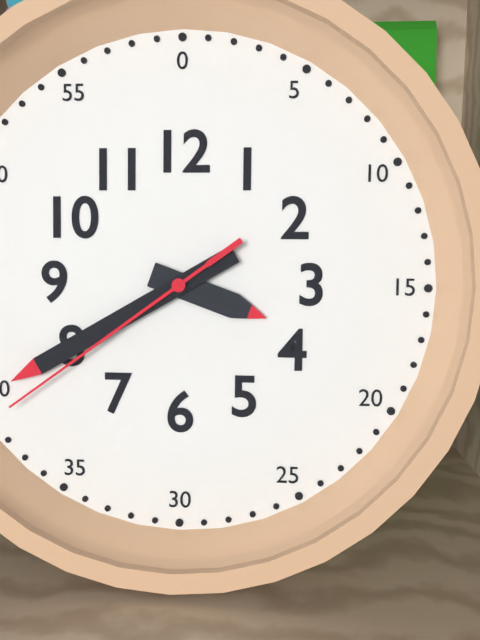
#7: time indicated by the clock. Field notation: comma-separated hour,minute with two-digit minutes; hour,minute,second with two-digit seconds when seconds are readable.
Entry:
3,40,39
